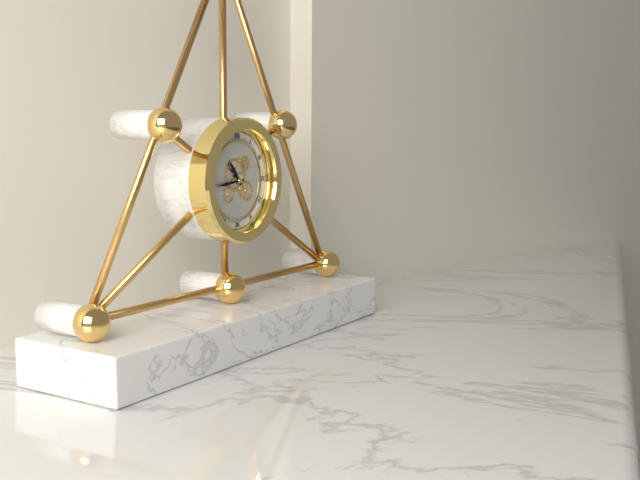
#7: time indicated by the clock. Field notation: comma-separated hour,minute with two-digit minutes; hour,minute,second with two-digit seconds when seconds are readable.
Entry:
10,44
